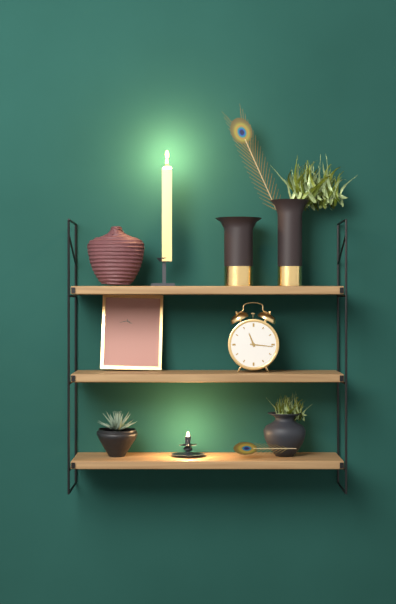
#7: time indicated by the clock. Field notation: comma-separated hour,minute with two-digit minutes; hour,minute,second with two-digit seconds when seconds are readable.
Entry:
11,16
